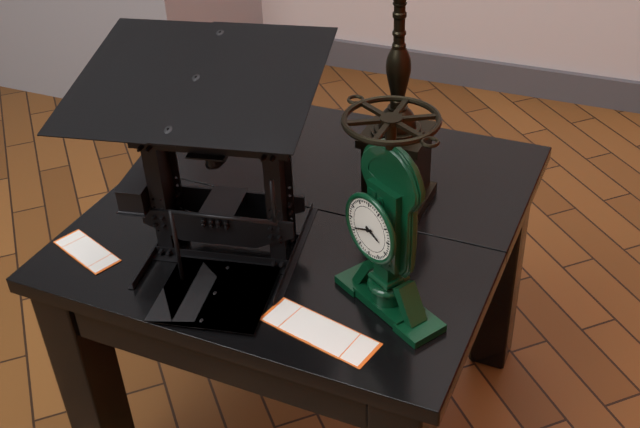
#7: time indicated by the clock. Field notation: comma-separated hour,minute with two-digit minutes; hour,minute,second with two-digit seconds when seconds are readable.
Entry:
3,41
